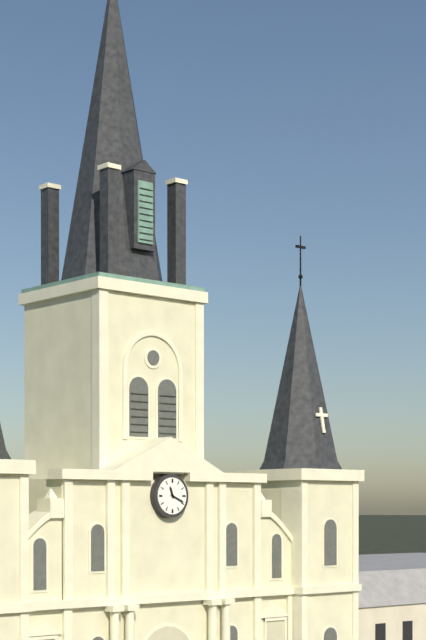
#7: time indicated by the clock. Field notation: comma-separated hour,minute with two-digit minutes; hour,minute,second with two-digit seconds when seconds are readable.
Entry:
11,19
